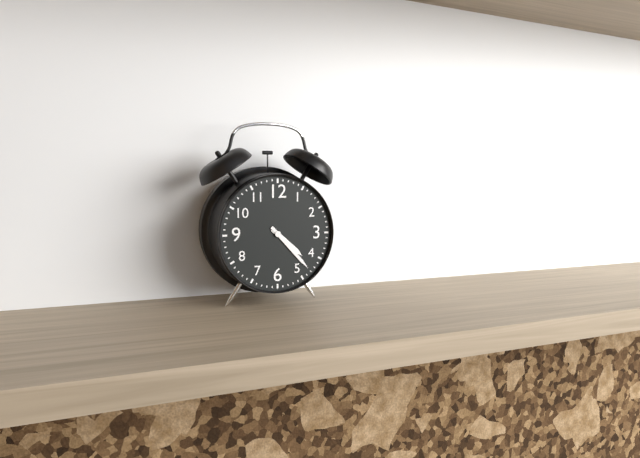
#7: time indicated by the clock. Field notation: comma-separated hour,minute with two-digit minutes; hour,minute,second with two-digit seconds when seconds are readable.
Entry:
4,23
